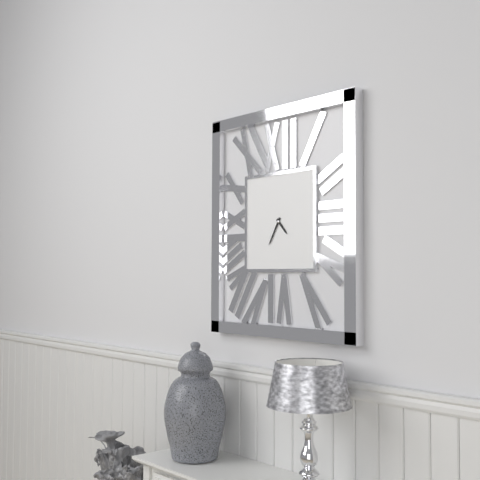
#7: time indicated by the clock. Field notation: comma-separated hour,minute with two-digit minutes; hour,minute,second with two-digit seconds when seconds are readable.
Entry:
4,35
